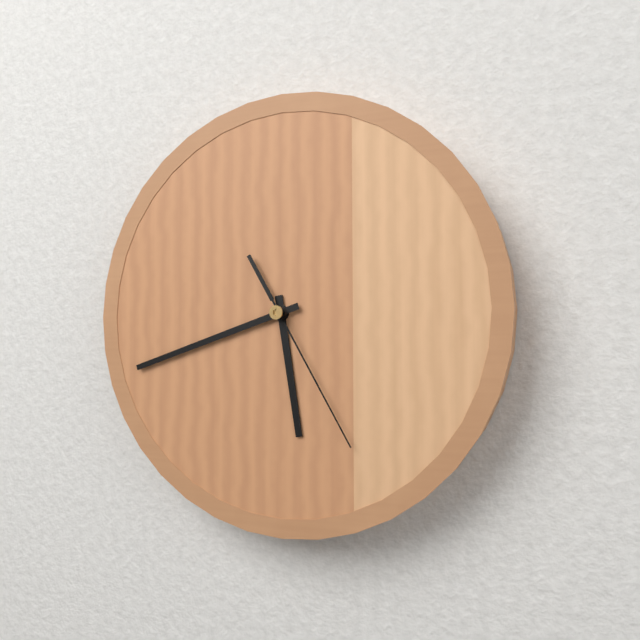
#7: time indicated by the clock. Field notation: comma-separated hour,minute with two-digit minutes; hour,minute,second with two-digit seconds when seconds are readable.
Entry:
5,42,25
